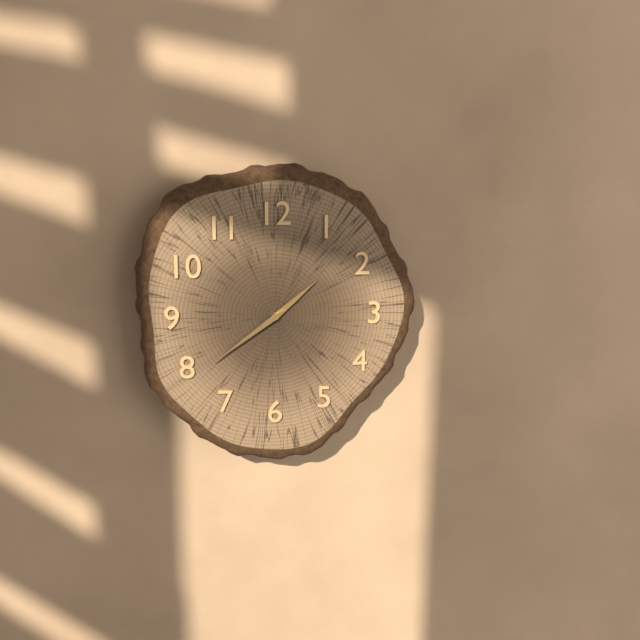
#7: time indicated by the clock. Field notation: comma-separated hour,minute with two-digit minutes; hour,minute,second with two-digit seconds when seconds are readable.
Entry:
1,39
